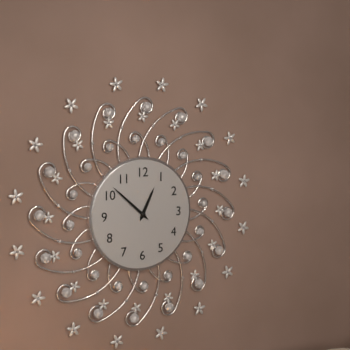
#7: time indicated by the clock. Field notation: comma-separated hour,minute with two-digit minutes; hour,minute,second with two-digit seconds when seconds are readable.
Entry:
12,52
